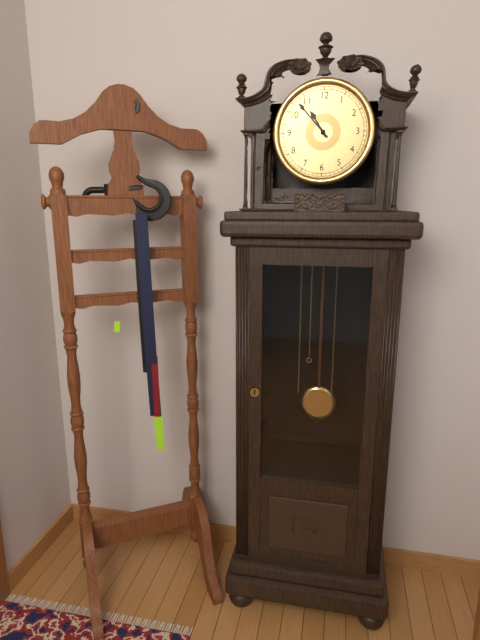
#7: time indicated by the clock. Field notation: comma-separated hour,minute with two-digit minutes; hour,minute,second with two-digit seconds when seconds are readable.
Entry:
10,53
